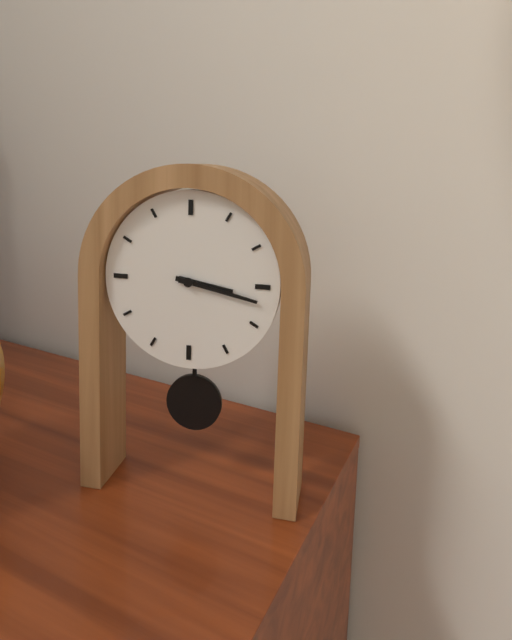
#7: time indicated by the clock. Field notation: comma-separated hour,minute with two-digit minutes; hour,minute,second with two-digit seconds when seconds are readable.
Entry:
3,17
